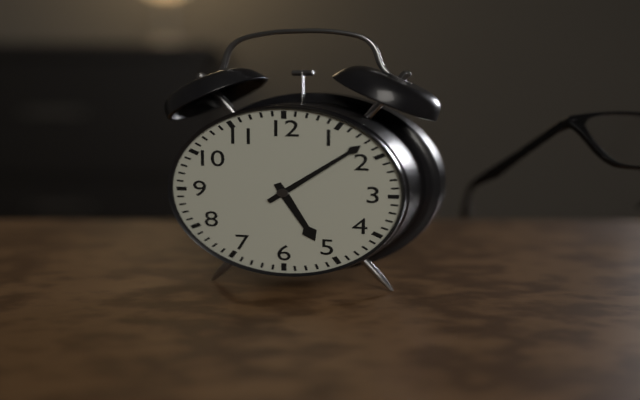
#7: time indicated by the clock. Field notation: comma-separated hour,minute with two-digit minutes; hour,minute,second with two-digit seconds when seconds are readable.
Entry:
5,08
